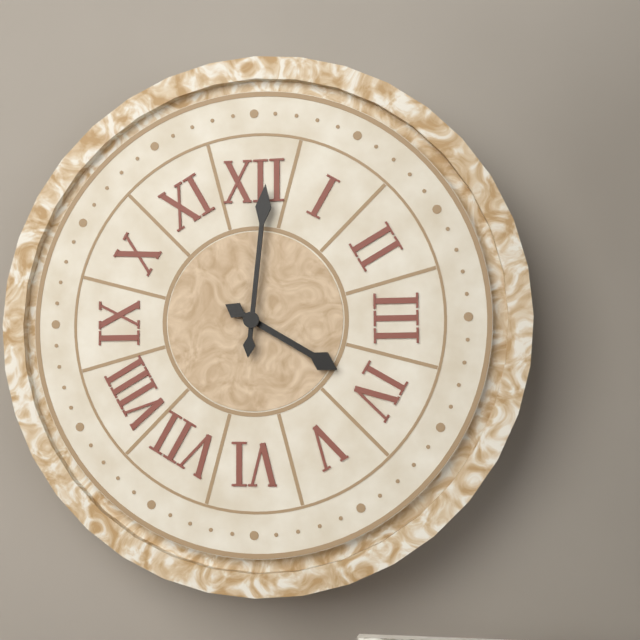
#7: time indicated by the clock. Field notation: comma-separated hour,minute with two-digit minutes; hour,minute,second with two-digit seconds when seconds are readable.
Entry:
4,01
